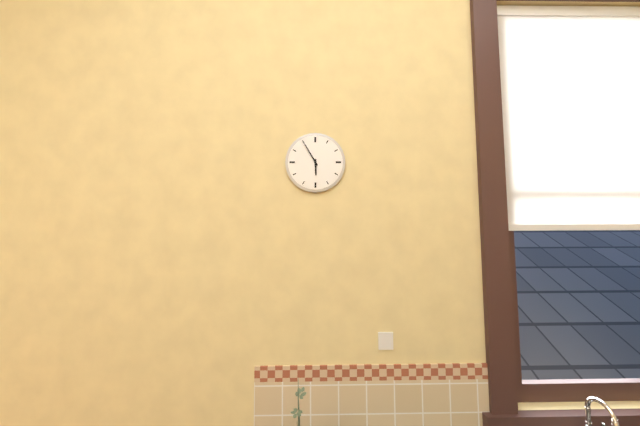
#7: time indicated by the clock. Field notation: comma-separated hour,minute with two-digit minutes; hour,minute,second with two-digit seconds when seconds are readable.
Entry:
5,55
